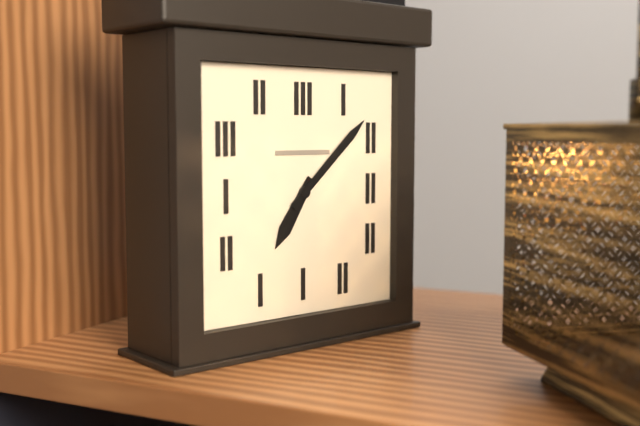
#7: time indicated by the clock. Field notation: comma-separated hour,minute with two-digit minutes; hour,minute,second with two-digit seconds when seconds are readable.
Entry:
7,08
